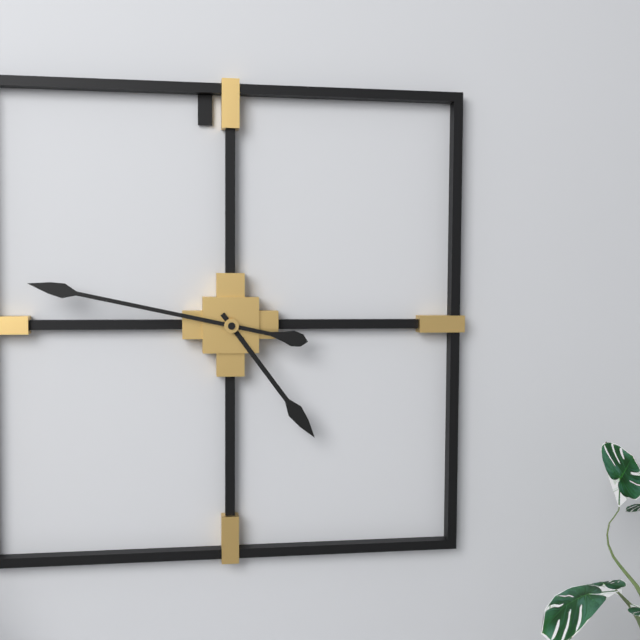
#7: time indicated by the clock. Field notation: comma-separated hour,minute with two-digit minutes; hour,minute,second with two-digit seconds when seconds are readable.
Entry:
4,47
